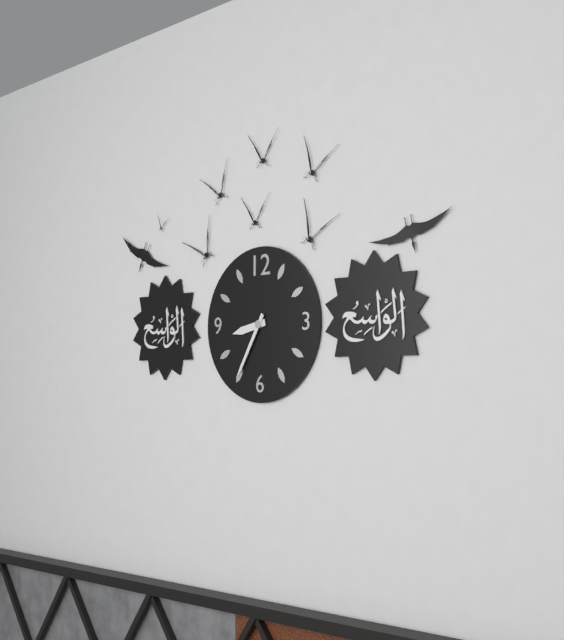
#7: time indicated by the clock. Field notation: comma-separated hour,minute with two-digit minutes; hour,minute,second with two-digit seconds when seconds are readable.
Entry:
8,35
